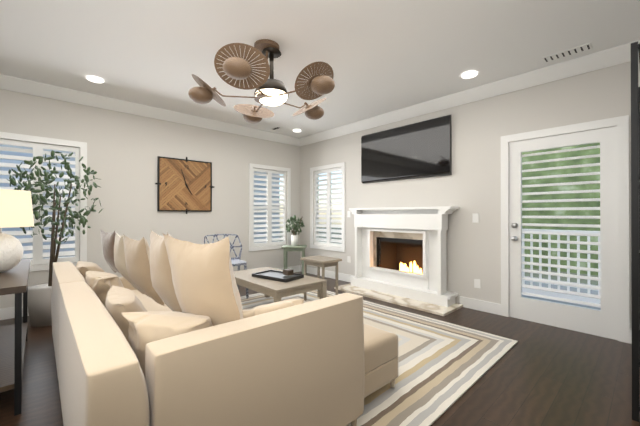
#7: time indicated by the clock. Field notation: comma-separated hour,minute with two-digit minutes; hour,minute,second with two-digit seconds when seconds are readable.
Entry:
4,57
